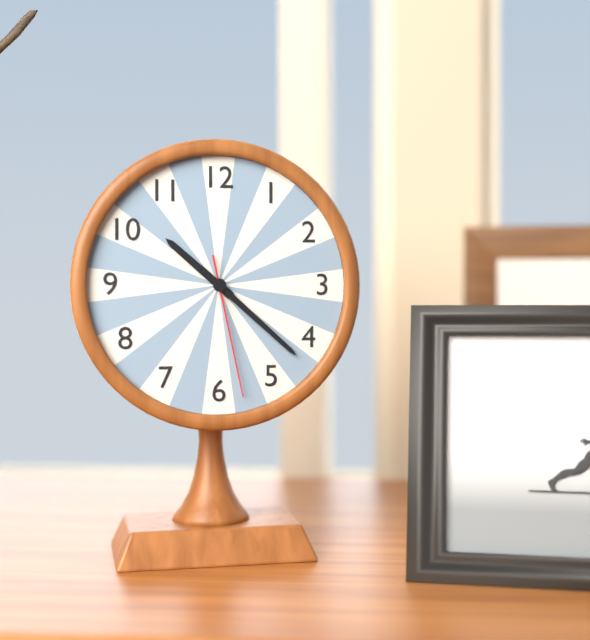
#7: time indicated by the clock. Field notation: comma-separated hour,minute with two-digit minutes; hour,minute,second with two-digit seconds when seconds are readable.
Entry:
10,22,28
